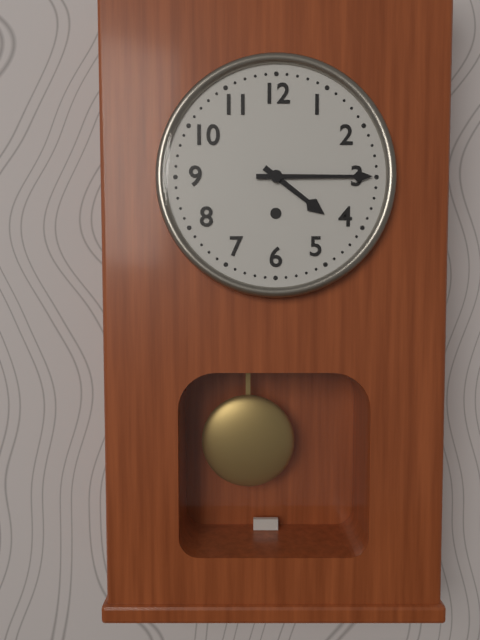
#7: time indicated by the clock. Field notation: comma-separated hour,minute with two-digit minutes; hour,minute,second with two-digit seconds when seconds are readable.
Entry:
4,15
